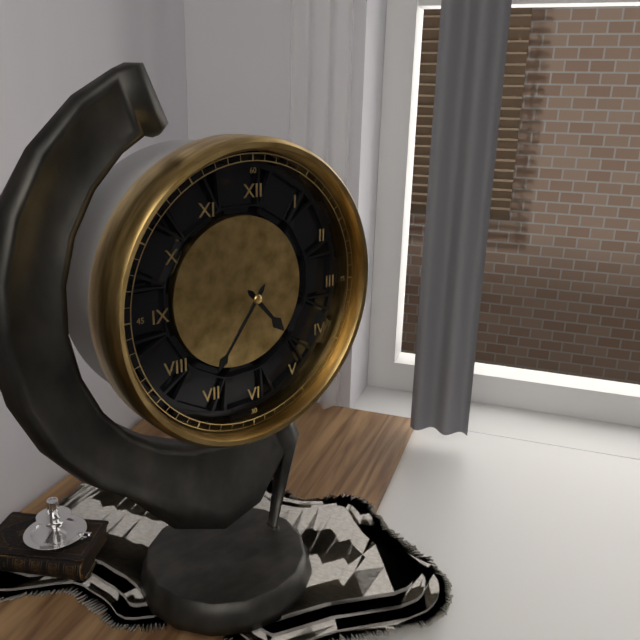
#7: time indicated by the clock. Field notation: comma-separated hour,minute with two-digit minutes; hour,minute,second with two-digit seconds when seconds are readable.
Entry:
4,36
